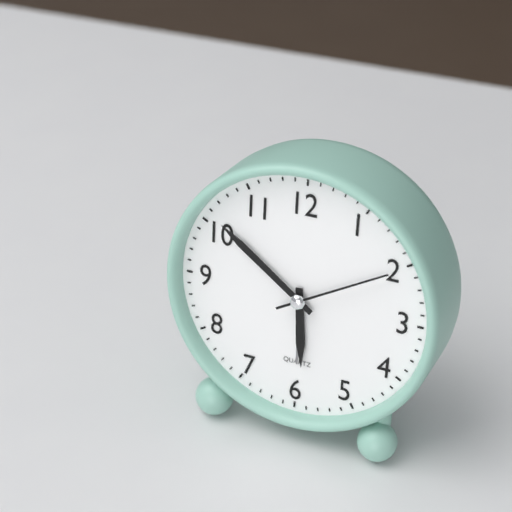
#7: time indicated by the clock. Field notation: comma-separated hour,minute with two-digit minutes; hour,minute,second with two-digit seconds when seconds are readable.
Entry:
5,51,10
